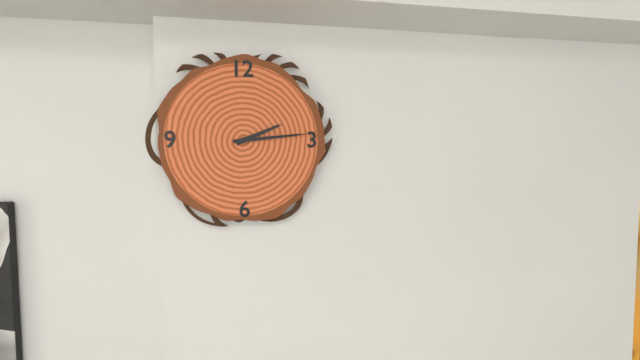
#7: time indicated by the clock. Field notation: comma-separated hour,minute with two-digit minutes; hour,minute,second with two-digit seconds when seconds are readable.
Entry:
2,14
